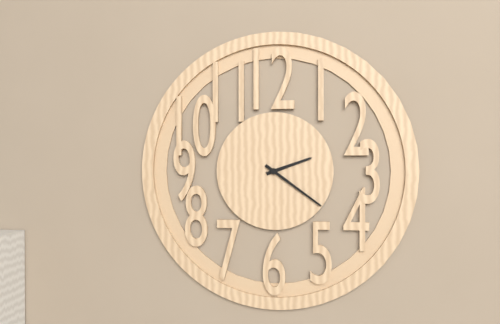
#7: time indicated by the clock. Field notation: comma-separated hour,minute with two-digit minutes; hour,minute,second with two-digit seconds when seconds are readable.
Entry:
2,21
